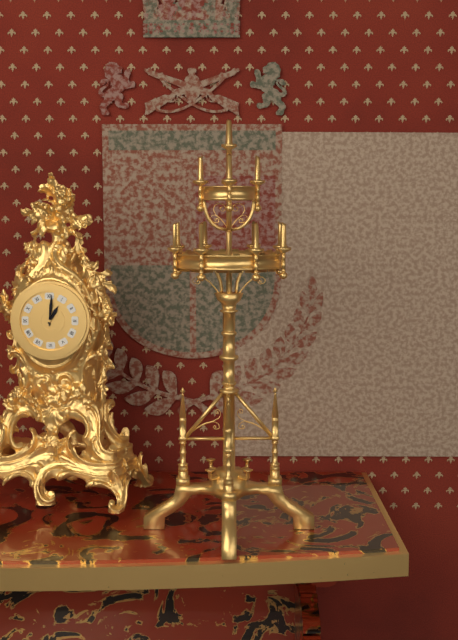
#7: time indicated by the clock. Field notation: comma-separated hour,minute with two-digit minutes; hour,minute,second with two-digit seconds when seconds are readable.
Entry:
1,01
